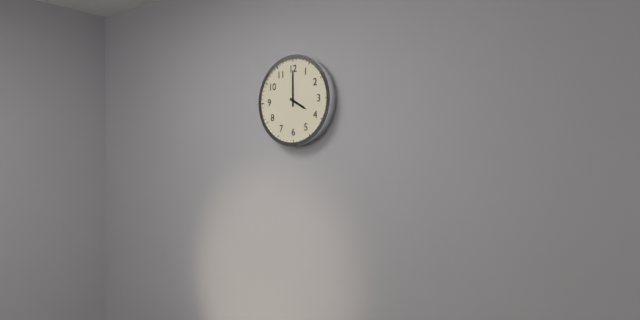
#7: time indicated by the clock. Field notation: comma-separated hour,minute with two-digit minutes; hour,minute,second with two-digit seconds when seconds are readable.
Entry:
4,00
